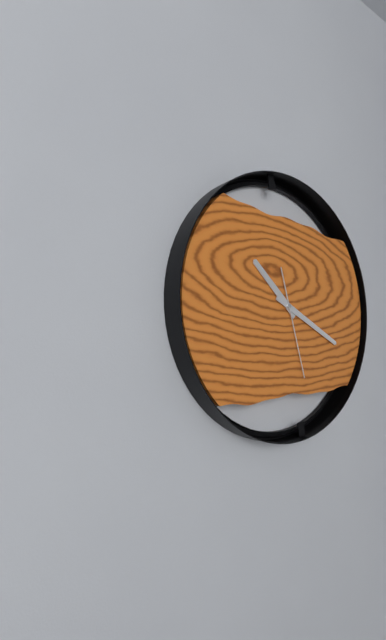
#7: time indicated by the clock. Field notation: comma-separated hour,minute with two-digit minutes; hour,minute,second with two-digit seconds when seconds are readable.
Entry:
10,19,27
